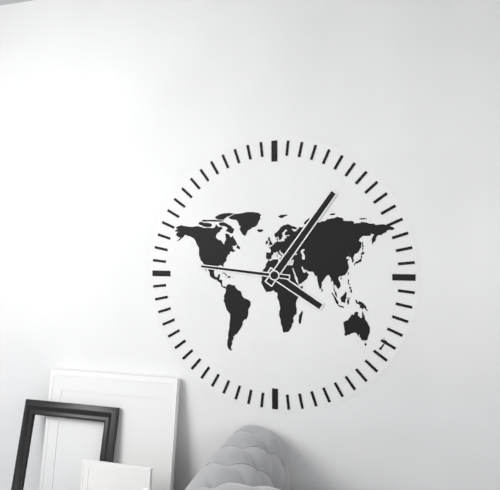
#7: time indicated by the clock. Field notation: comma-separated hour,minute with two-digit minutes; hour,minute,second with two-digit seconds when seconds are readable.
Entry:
4,06,46
